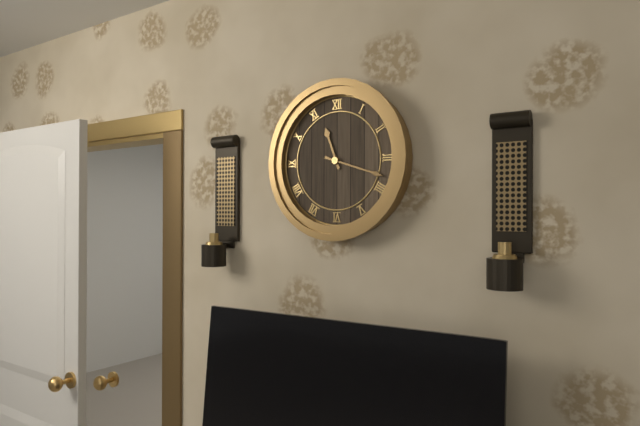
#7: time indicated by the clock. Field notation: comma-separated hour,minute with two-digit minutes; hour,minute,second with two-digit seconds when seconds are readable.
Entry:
11,18
